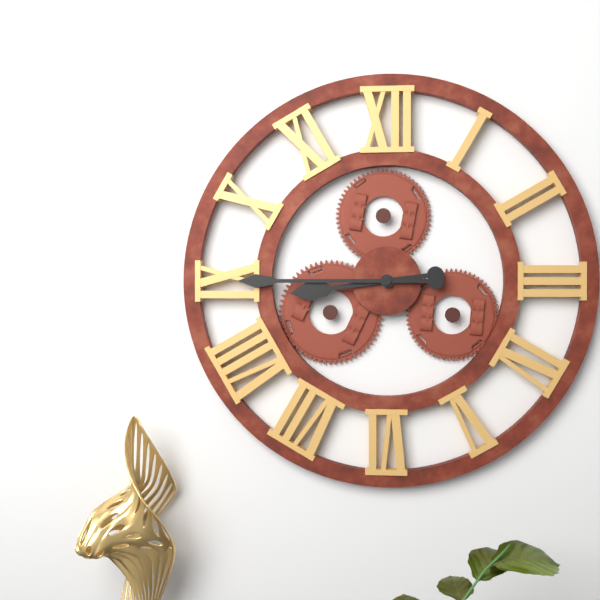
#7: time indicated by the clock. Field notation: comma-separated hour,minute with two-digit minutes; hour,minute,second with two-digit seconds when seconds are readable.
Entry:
8,45
